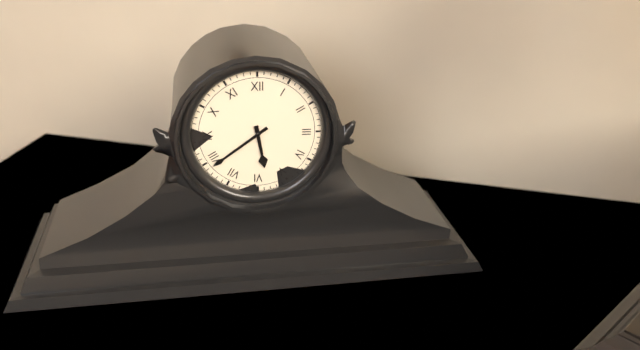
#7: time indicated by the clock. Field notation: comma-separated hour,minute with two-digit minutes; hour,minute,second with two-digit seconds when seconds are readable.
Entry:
5,39
